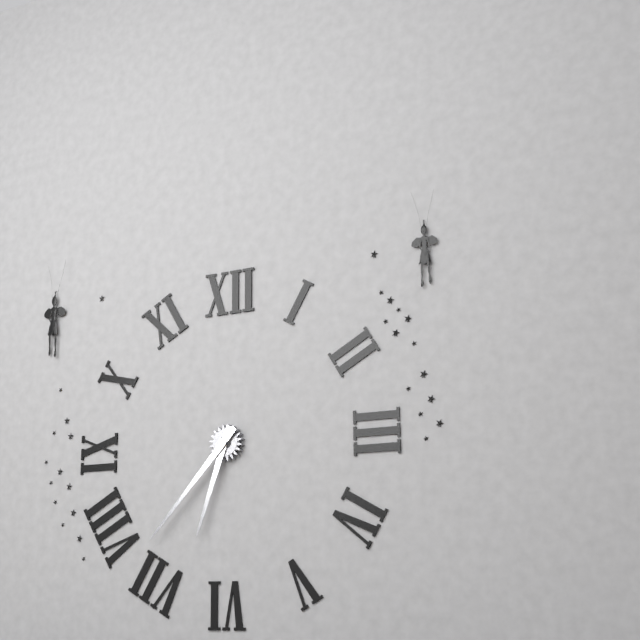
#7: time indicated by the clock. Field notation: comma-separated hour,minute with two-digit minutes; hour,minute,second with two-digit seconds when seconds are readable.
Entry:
6,37
